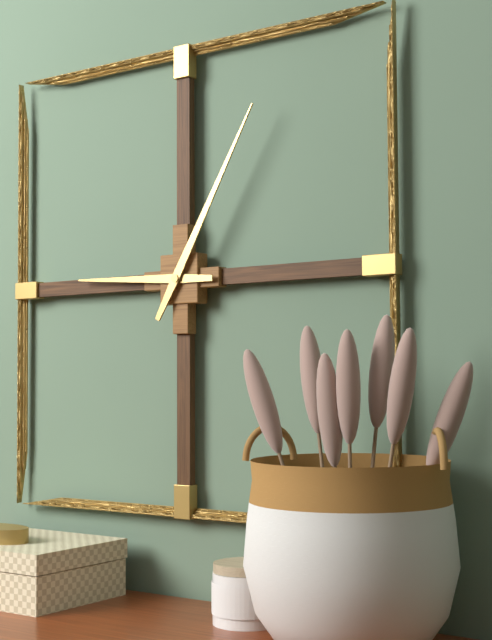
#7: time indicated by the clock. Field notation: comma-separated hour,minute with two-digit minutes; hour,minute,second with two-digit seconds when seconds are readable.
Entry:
9,05
